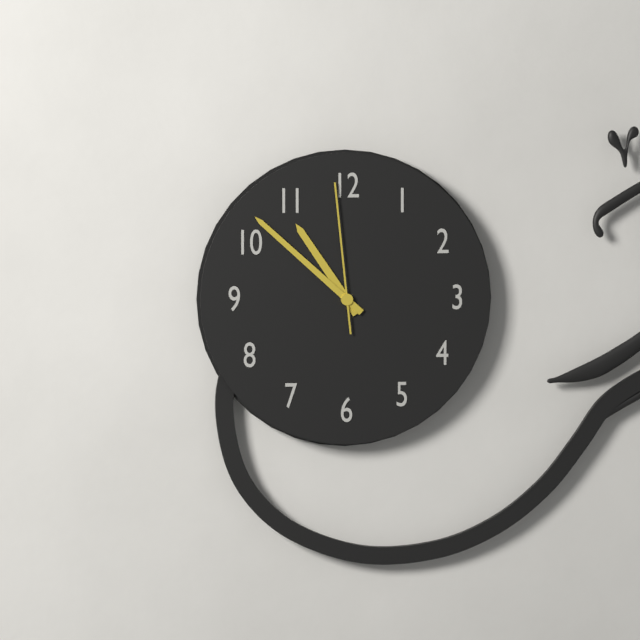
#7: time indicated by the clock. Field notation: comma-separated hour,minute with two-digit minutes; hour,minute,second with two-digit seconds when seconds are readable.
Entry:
10,52,59
